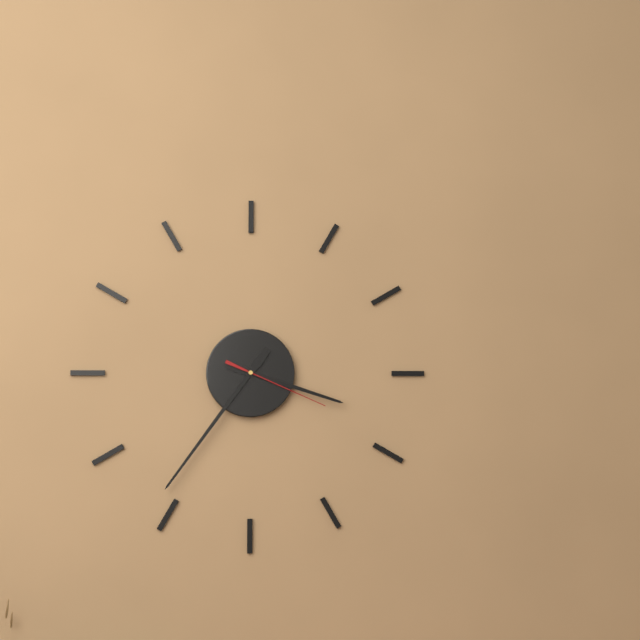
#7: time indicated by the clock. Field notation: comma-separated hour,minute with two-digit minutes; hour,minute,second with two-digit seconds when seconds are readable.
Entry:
3,36,19
